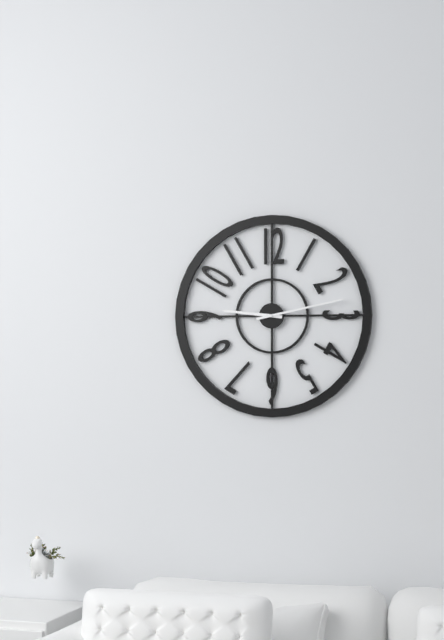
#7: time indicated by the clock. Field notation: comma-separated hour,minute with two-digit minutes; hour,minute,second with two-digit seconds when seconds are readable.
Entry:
9,13
